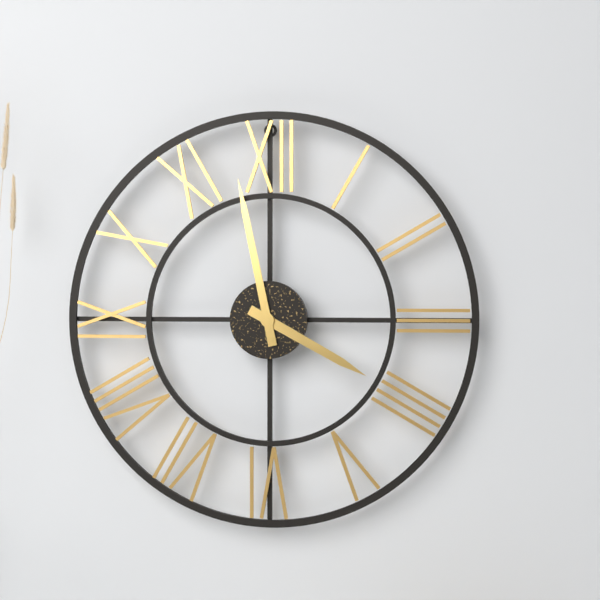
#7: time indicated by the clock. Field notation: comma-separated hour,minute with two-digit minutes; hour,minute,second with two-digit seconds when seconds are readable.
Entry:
3,58
